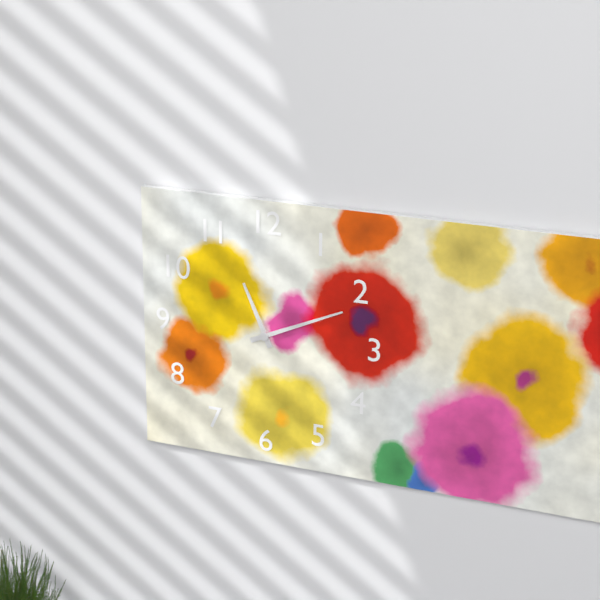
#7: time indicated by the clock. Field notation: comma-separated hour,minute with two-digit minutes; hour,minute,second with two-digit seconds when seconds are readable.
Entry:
11,11
